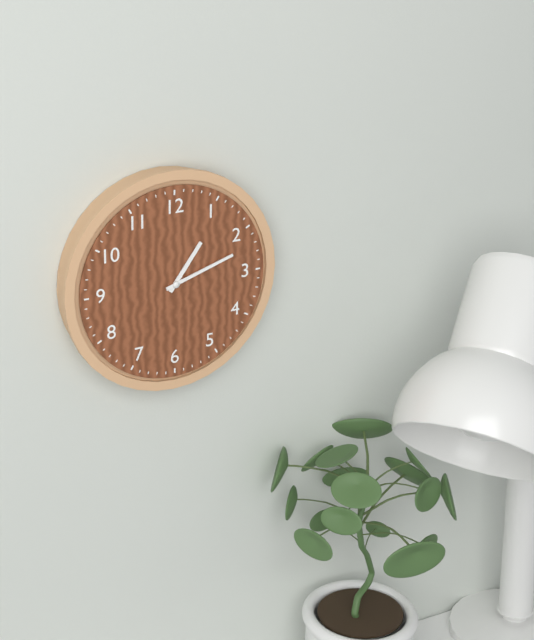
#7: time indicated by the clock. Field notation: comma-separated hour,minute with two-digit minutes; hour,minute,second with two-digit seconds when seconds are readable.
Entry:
1,12
